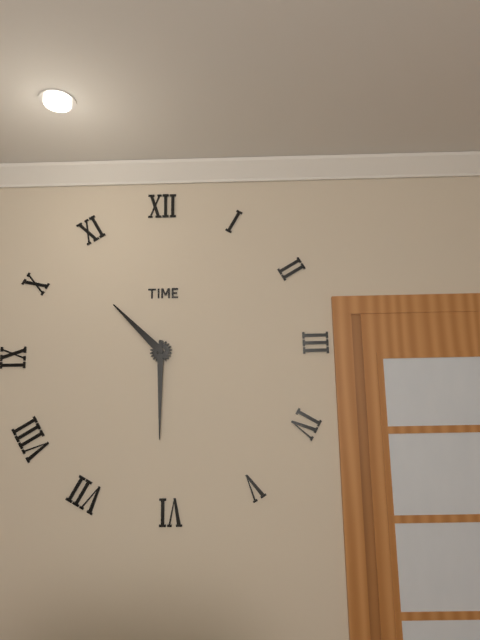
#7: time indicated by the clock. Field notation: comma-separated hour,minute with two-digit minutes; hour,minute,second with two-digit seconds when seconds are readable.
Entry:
10,30
